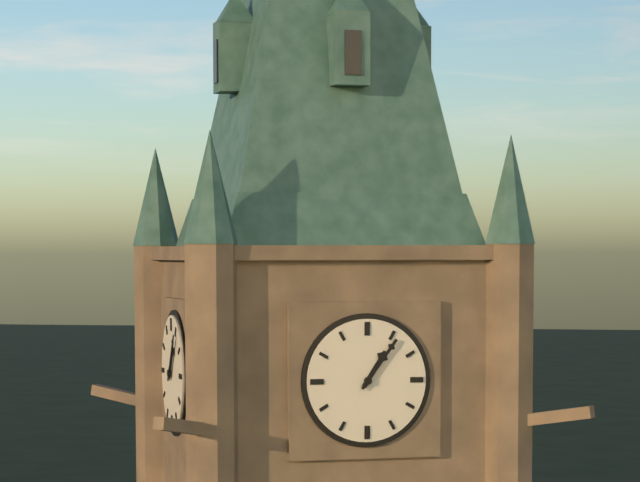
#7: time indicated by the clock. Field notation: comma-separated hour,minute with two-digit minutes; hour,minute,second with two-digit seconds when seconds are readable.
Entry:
1,06
